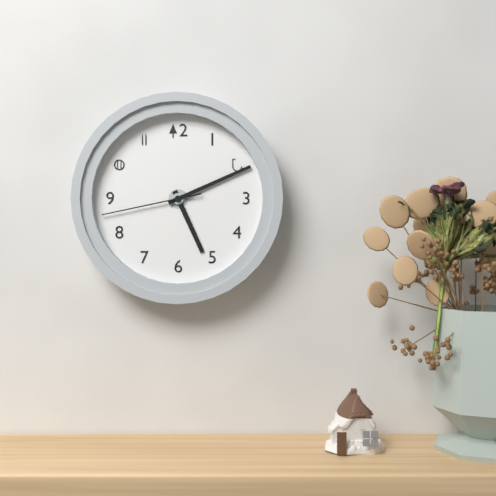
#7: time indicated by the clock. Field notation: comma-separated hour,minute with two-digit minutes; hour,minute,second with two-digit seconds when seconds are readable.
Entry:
5,11,43
